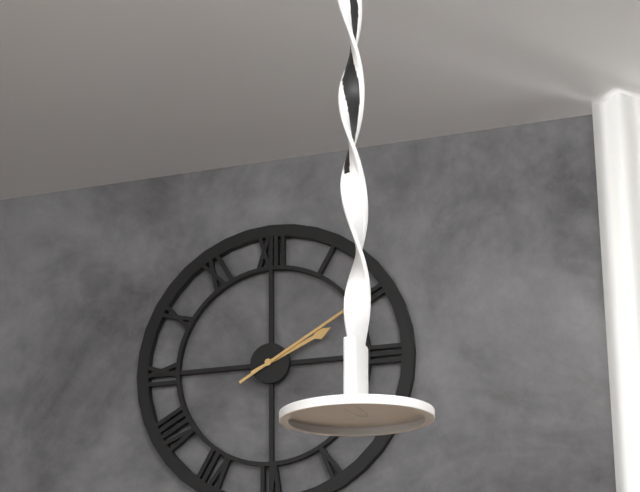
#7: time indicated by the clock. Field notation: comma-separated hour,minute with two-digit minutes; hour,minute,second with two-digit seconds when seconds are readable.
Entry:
2,10
